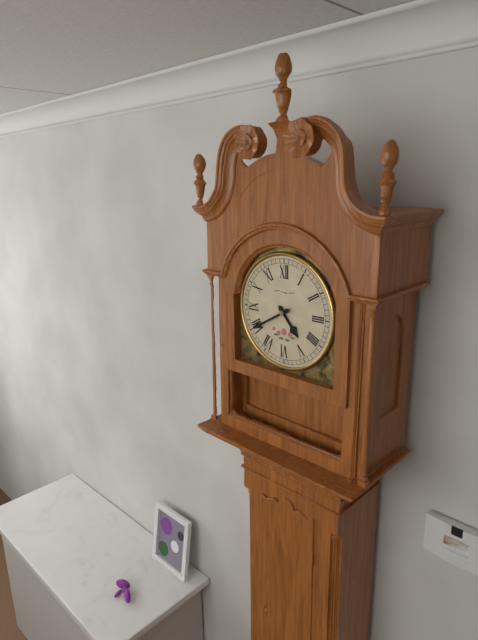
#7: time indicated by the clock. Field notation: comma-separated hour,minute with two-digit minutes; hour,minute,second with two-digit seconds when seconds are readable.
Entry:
4,40
